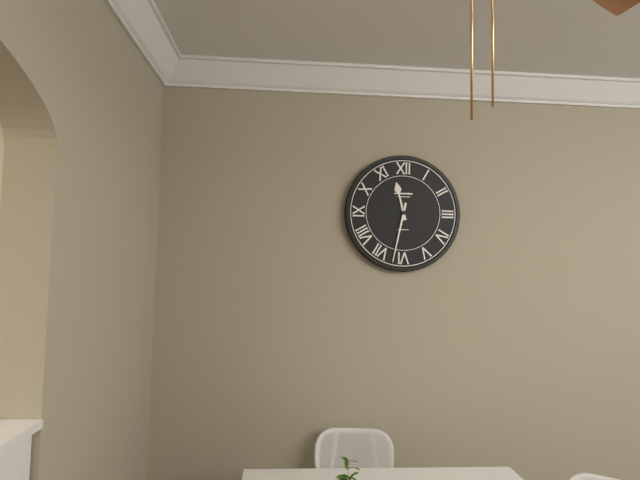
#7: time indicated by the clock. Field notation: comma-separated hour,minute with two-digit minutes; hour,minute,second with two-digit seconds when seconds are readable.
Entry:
11,32
